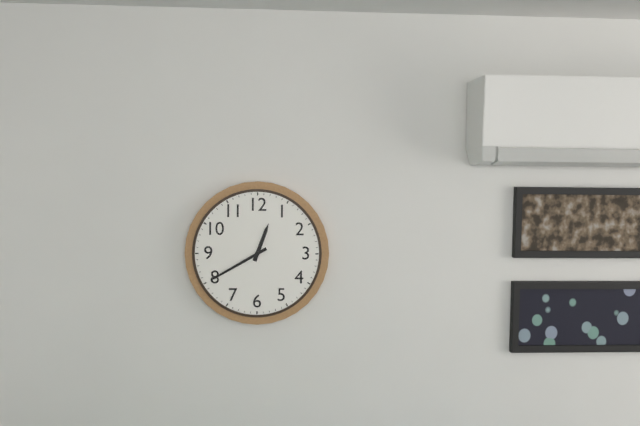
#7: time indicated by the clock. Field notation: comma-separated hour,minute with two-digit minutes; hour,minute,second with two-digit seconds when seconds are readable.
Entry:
12,40
